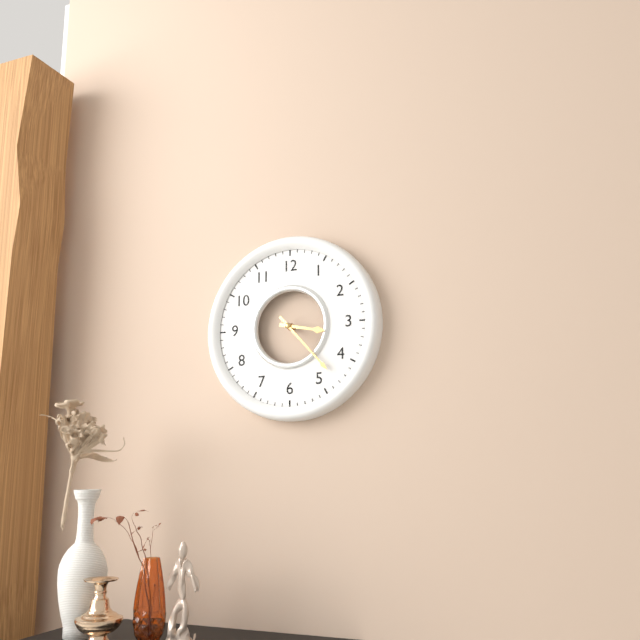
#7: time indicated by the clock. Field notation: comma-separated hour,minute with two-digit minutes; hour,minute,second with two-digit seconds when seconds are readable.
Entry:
3,23
